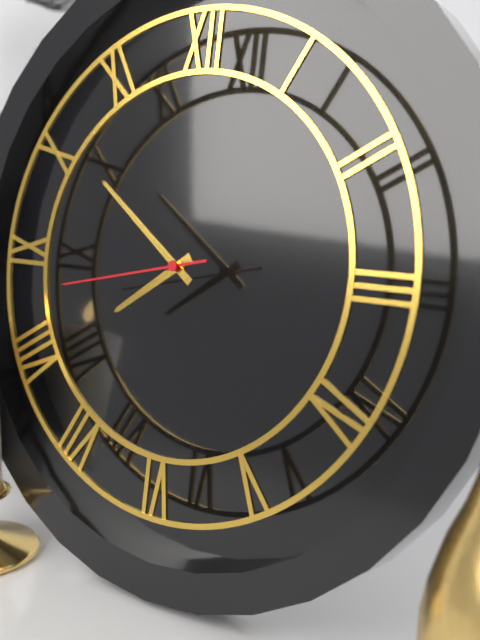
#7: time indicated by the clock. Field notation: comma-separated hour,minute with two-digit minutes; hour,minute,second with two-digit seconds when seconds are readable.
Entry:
7,51,43
